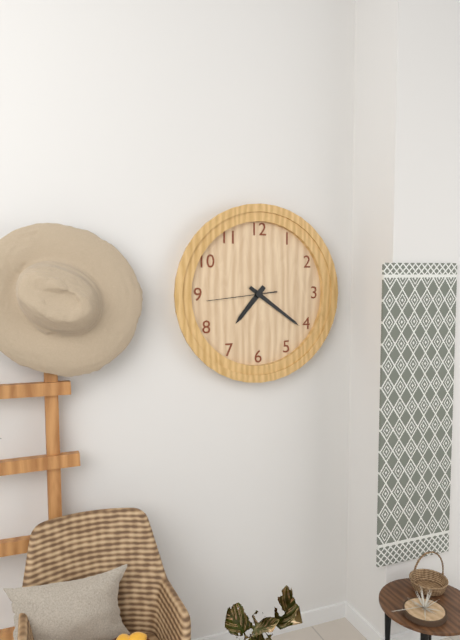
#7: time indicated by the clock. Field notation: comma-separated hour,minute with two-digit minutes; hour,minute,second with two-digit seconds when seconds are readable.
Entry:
7,21,44
